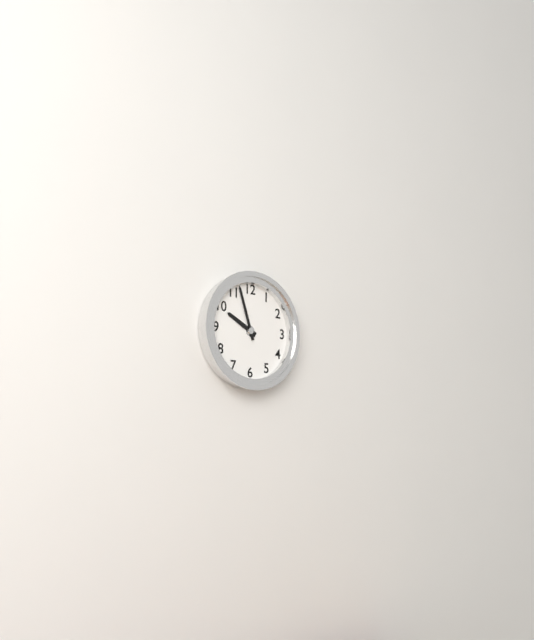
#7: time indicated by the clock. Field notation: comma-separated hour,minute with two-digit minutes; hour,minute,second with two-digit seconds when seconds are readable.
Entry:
9,57
